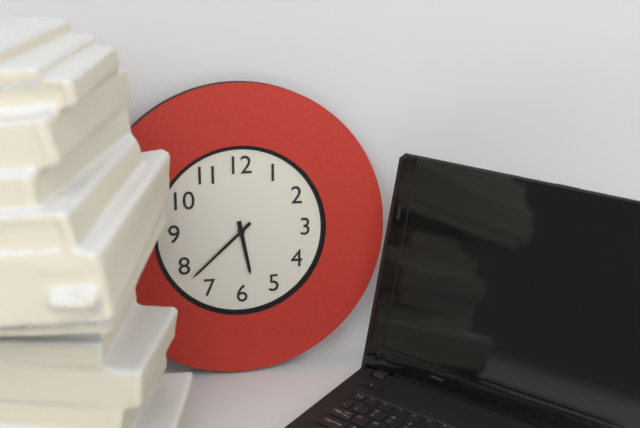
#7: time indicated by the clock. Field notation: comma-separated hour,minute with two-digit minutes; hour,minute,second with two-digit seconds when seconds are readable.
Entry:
5,38
